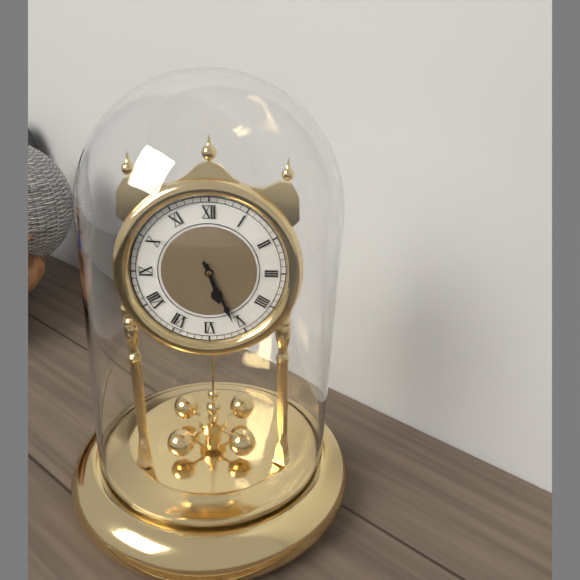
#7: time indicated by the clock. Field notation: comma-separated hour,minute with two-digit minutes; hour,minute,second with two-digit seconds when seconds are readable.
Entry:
5,26
